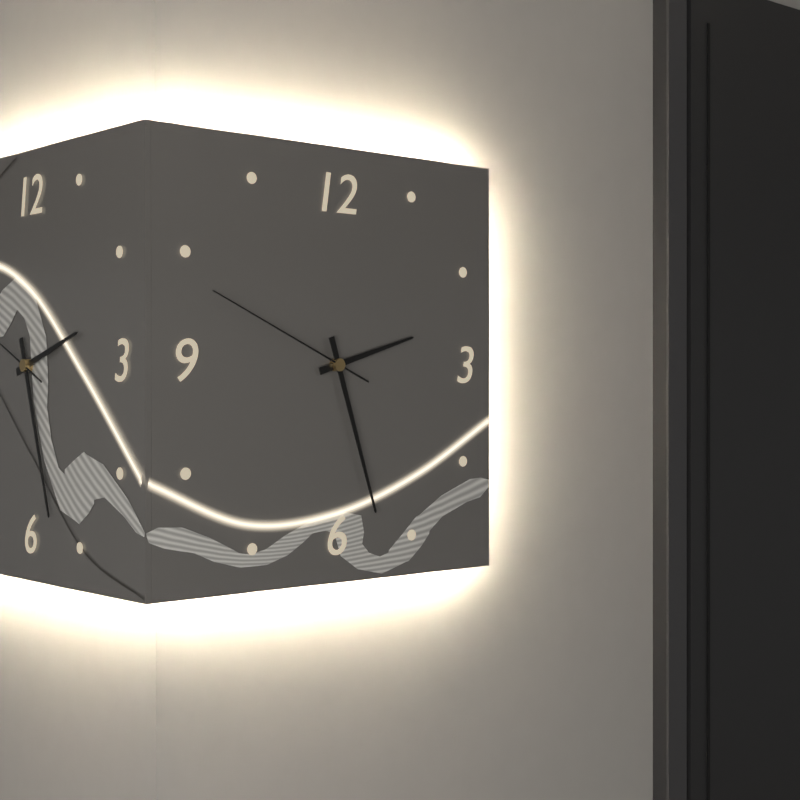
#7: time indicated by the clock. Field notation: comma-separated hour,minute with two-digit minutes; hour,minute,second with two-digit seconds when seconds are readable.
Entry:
2,27,49
